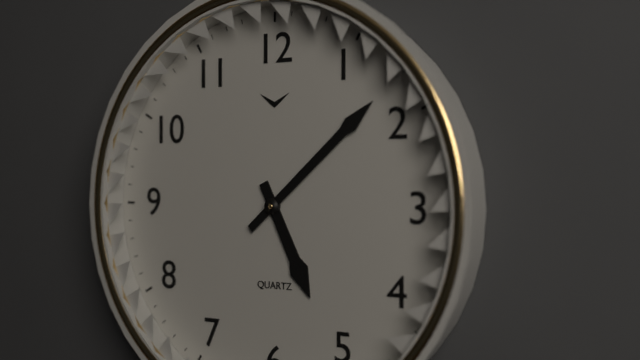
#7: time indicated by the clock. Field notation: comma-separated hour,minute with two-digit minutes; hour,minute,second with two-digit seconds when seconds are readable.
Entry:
5,08
